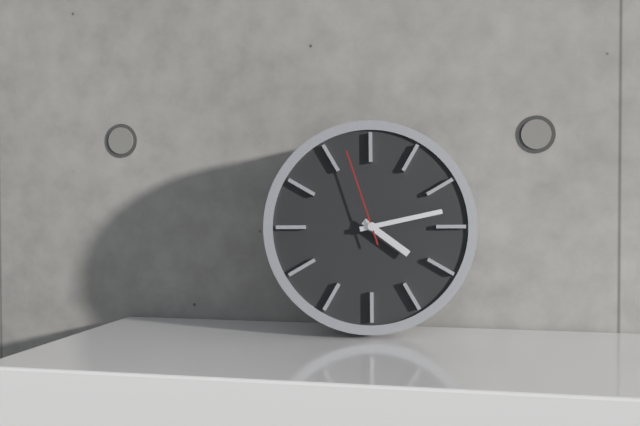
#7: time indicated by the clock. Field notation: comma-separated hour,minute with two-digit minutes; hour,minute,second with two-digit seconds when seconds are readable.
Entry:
4,13,57
